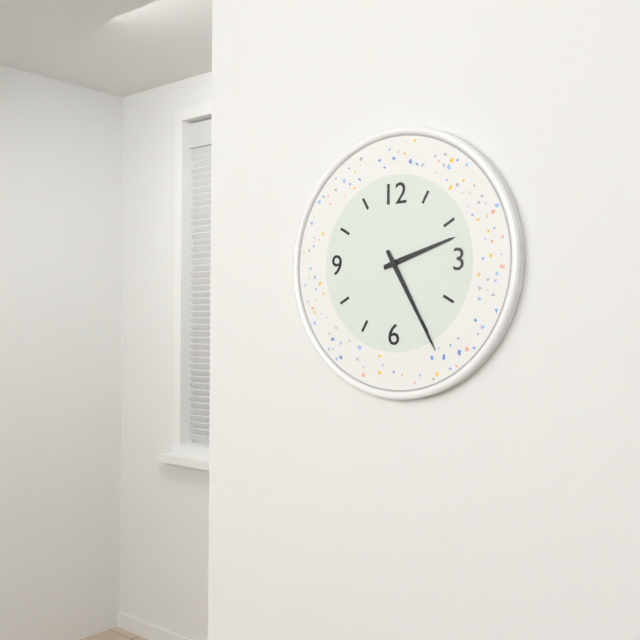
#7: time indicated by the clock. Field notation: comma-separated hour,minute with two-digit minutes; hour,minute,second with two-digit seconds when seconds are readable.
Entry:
2,25
